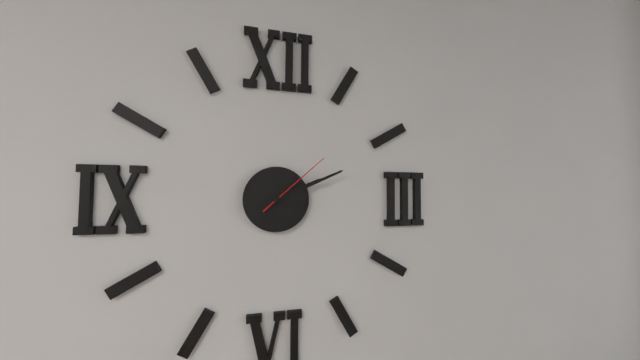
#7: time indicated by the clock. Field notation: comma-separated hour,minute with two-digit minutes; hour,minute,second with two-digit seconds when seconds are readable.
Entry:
2,11,08
